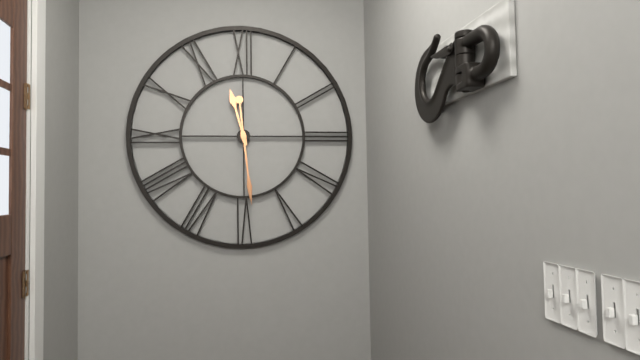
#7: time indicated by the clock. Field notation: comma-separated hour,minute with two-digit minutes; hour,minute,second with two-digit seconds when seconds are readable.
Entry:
11,29
